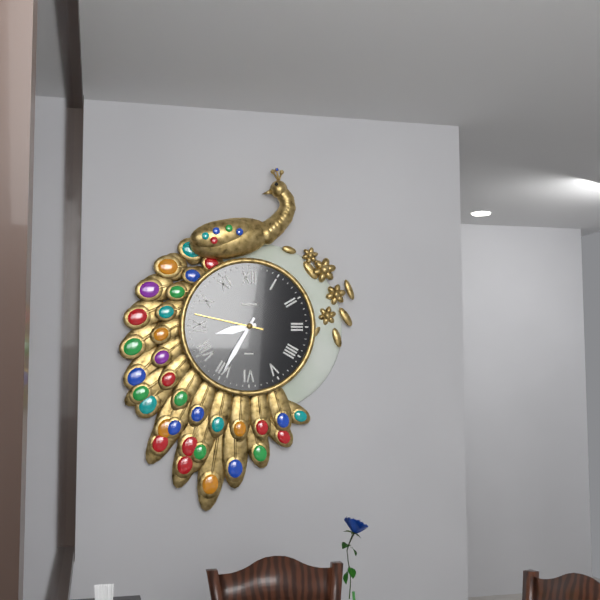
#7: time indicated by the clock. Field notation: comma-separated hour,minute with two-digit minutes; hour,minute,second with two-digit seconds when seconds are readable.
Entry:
8,35,47
